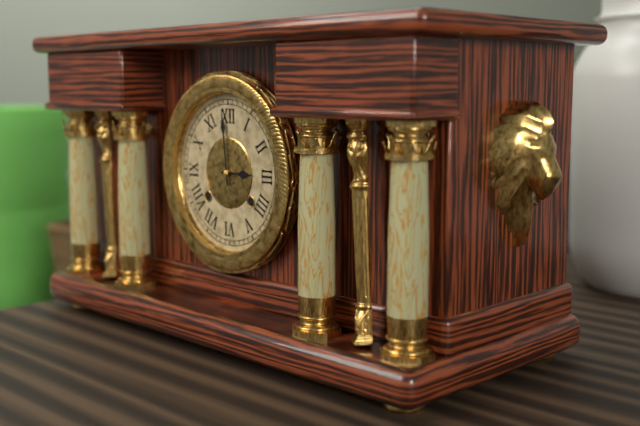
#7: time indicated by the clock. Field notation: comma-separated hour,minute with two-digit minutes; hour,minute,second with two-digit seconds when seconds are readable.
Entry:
2,59
